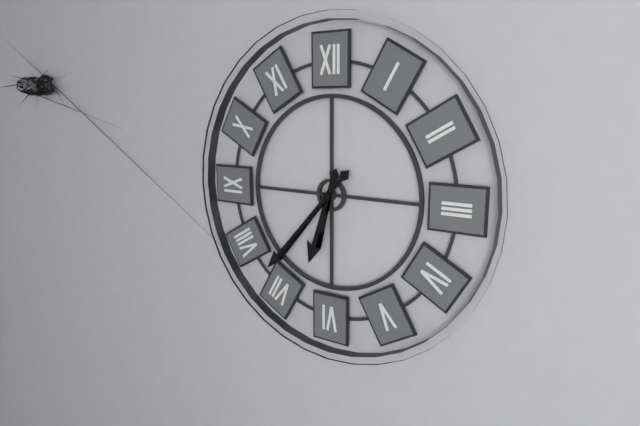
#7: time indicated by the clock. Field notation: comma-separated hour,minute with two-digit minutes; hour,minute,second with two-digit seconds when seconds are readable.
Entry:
6,37
